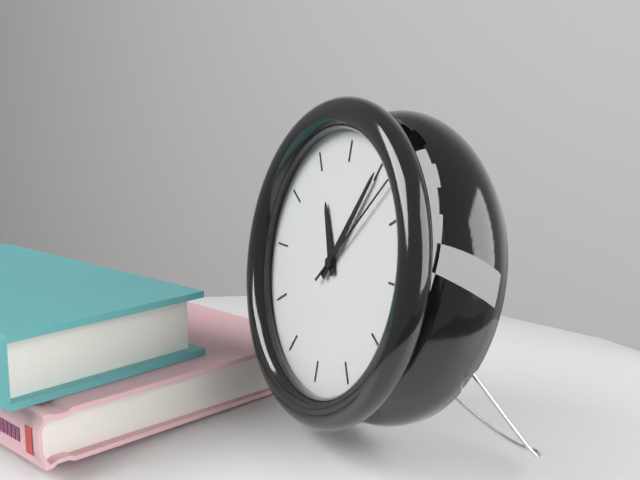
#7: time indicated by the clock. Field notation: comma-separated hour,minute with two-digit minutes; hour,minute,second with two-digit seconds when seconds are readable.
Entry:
11,05,07
